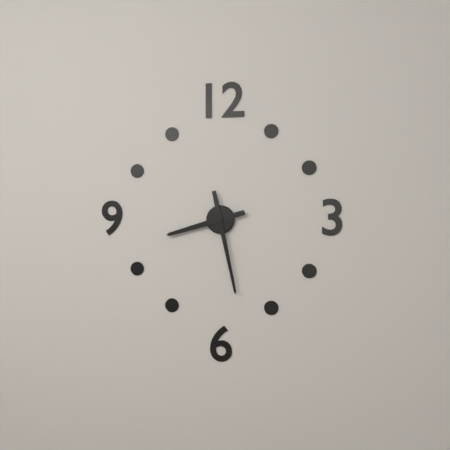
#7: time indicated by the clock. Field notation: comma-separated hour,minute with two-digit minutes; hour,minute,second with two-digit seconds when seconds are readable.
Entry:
8,28
